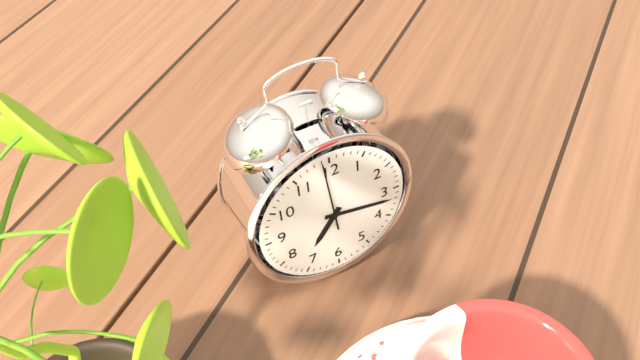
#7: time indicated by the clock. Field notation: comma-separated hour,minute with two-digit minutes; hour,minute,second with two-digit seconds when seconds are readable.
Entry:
7,17,59
